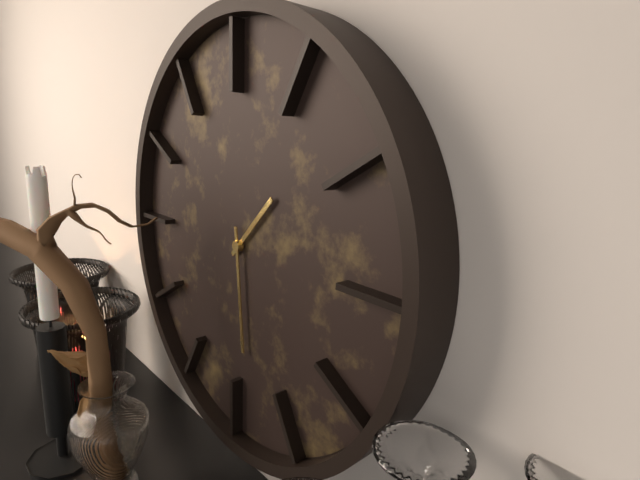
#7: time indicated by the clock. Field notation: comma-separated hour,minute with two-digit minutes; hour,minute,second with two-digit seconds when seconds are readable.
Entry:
1,29
